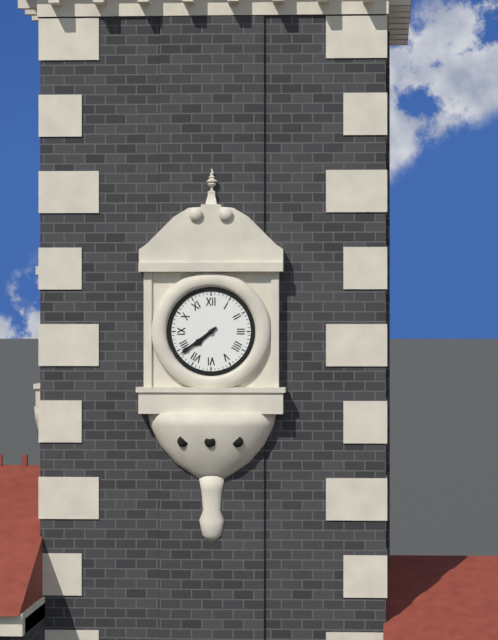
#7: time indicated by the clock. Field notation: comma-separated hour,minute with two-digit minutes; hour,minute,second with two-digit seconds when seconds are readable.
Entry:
7,39
